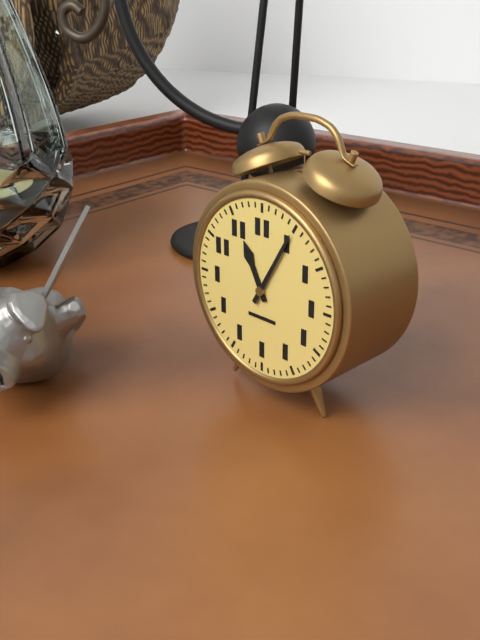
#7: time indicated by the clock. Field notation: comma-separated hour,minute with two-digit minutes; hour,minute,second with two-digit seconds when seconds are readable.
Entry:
11,05
